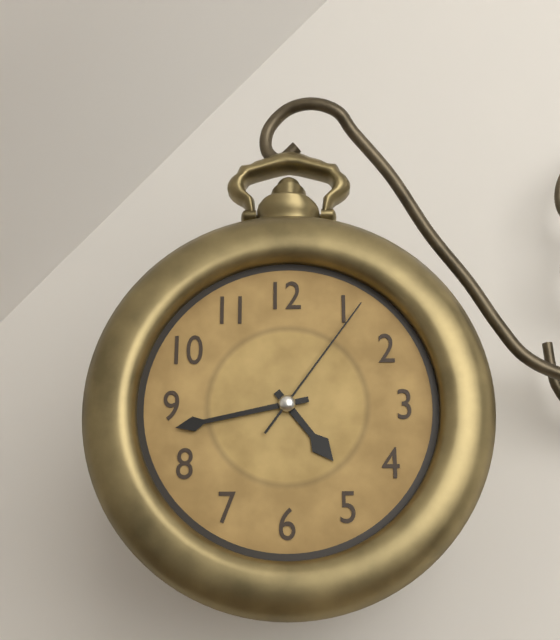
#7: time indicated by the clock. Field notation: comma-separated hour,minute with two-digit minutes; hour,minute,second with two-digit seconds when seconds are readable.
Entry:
4,43,06
